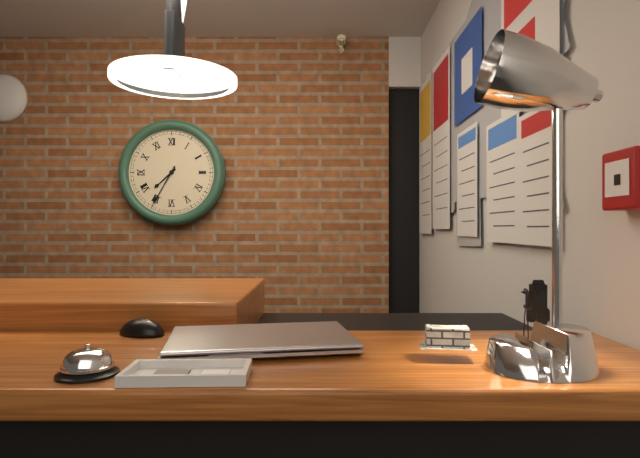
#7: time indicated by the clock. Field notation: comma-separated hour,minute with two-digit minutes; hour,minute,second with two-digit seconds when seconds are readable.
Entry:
7,35
